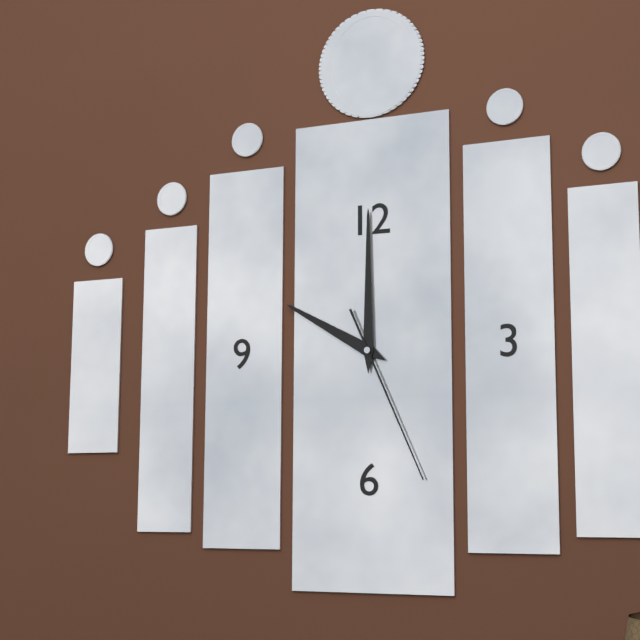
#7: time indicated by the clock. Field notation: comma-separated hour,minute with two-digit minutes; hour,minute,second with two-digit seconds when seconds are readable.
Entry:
10,00,26
